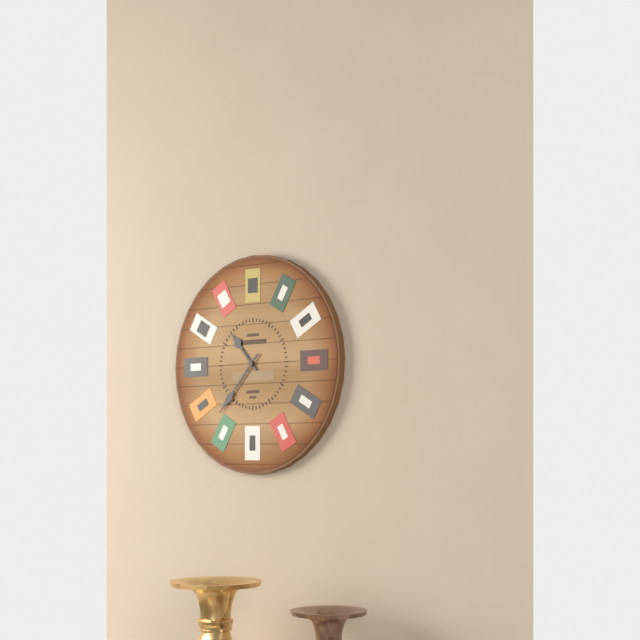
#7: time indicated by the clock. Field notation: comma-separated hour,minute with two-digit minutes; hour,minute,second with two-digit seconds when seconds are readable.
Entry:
10,37
